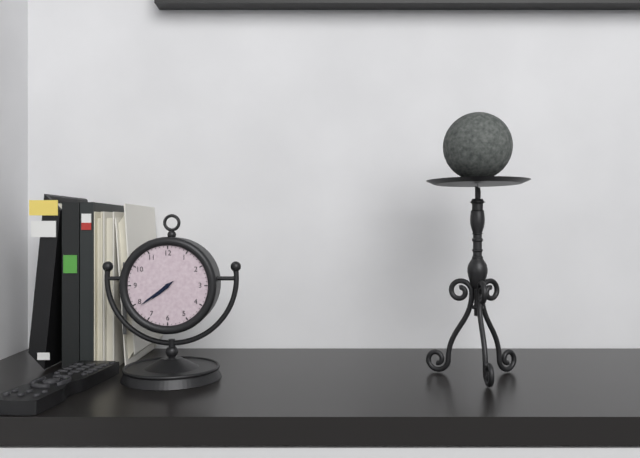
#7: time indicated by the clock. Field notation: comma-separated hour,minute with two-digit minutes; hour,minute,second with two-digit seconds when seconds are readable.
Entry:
7,39
